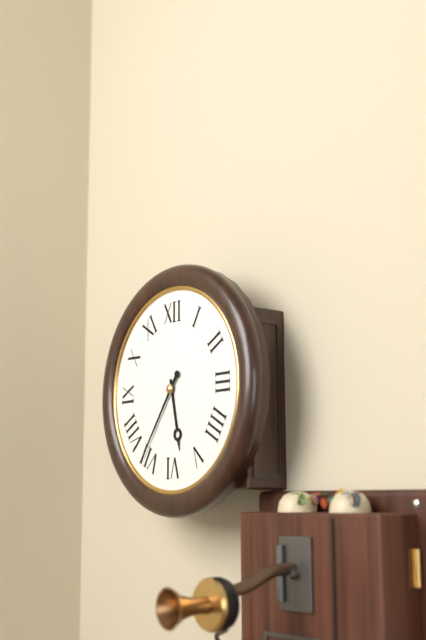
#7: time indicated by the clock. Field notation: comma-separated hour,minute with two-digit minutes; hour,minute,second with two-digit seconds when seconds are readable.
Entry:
5,36
